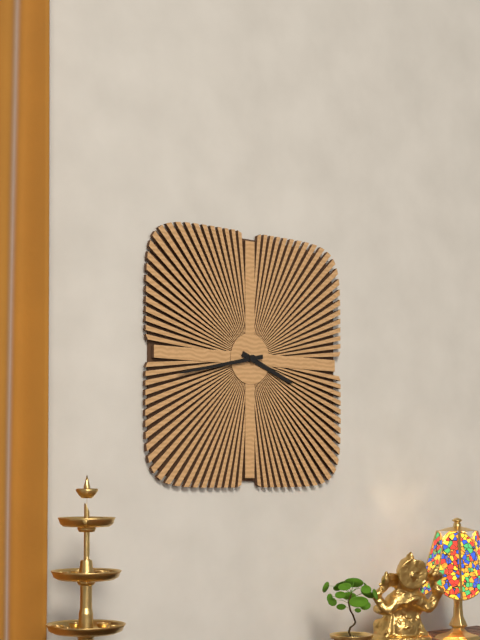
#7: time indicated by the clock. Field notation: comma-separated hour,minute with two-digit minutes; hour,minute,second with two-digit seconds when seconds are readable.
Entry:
3,43
